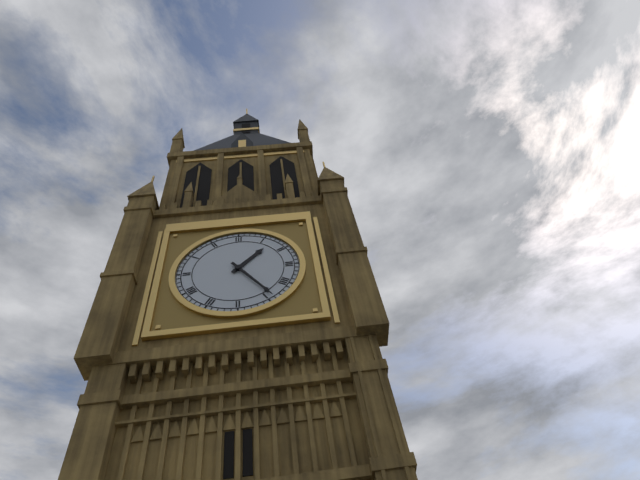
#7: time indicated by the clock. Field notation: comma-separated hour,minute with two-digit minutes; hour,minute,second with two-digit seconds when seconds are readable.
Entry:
1,24
